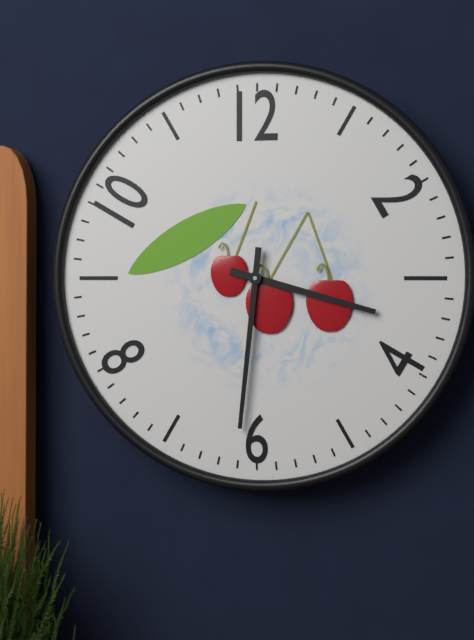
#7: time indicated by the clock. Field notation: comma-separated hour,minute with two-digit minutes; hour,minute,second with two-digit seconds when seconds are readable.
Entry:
3,31
